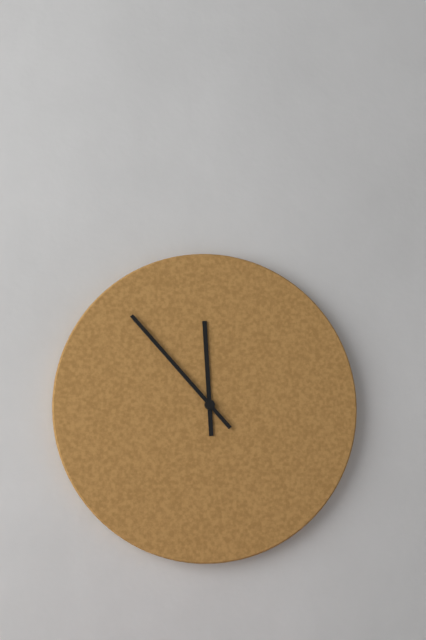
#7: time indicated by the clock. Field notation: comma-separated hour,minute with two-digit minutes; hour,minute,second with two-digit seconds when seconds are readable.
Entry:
11,53
